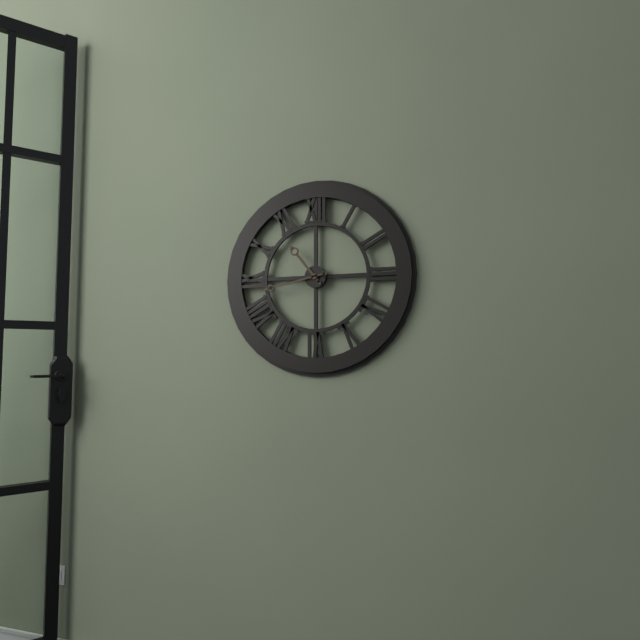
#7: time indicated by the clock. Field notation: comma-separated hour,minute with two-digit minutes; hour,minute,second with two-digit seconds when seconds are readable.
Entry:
10,43
